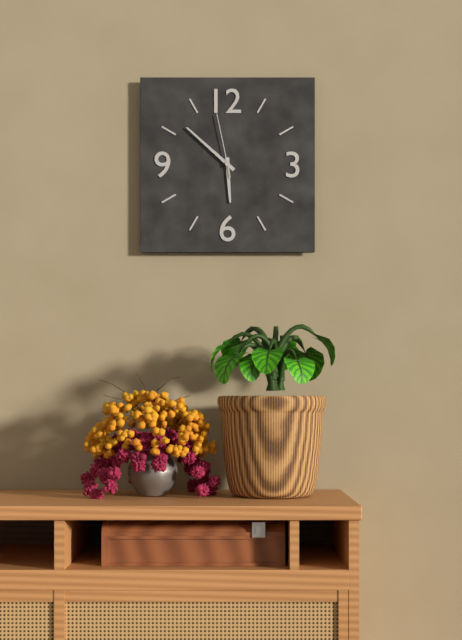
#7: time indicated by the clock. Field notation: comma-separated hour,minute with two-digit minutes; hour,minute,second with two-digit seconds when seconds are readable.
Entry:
5,52,58
